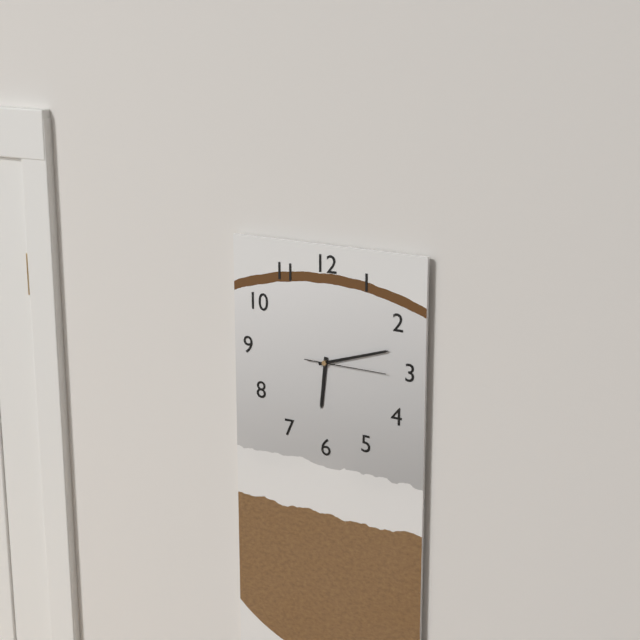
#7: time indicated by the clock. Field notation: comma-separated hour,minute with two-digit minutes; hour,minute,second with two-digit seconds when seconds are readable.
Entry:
6,12,15
